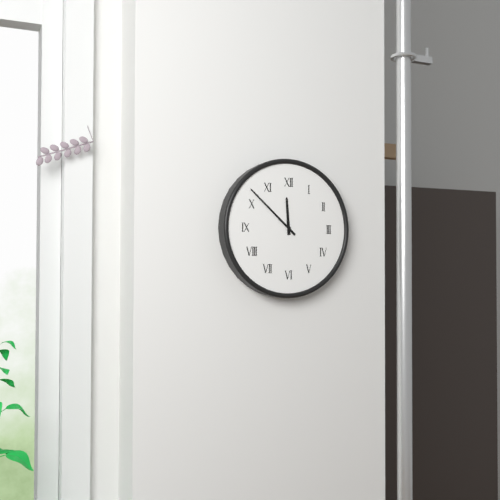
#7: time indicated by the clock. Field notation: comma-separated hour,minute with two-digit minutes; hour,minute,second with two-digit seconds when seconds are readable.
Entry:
11,52
